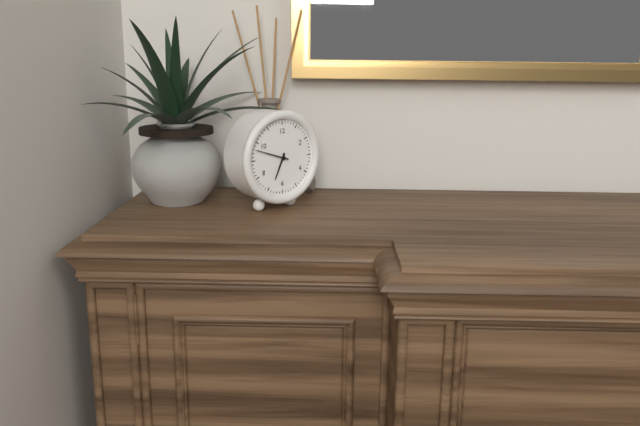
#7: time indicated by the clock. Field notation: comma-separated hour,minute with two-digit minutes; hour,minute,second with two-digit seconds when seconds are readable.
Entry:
6,48
